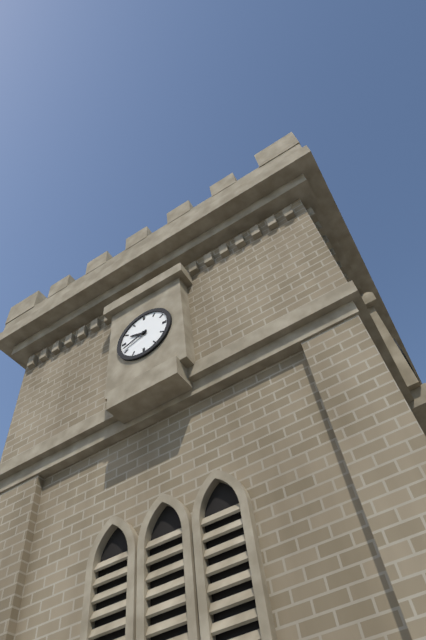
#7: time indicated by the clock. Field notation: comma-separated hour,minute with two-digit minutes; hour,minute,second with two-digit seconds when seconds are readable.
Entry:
9,42
